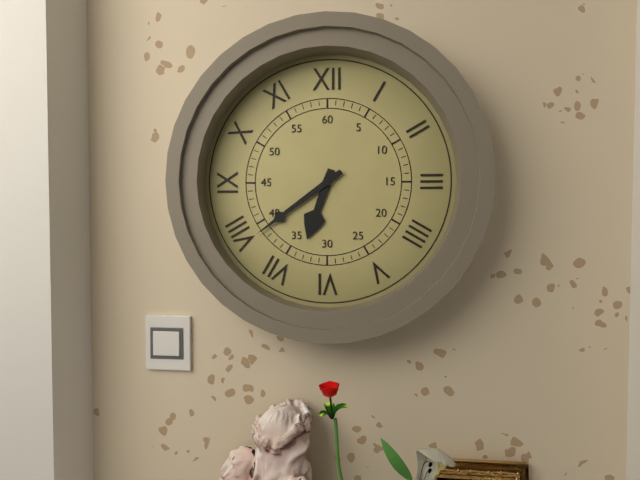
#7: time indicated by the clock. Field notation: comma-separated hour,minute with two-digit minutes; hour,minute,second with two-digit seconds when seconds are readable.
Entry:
6,39
